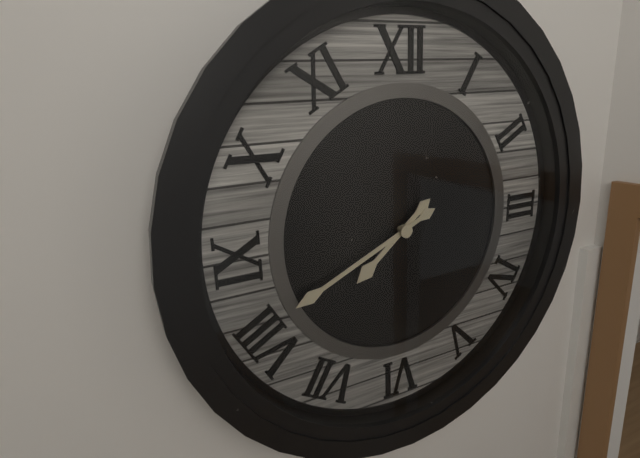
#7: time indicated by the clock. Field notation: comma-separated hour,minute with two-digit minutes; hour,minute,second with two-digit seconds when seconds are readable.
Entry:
7,41
